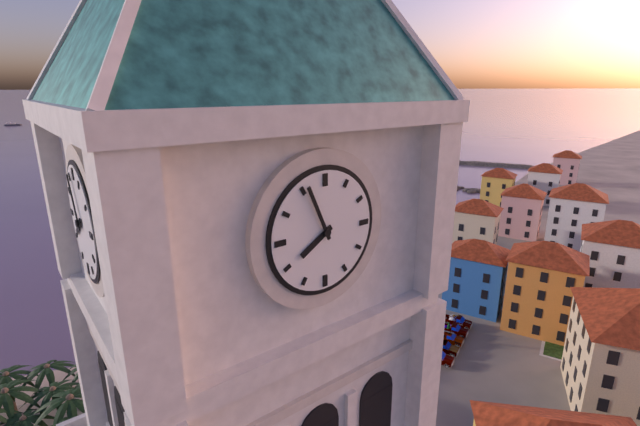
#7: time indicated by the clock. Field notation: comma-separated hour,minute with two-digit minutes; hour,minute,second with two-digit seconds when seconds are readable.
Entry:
7,56
